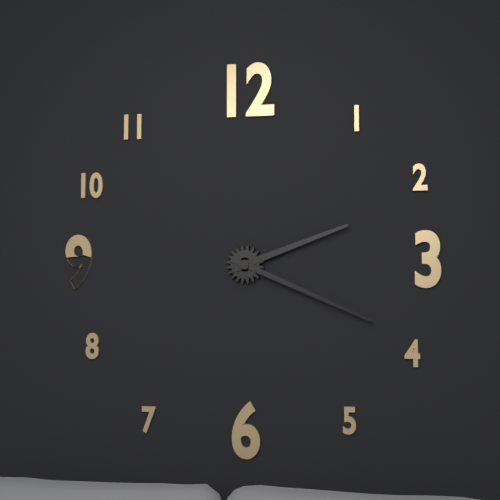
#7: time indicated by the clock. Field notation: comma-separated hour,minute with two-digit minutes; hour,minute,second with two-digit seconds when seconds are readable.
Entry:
2,19
